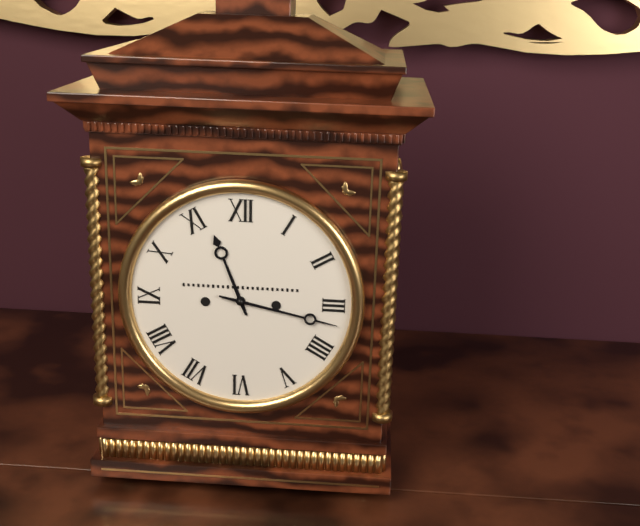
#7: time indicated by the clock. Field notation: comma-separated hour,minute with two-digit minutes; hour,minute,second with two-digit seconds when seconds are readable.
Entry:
11,17
